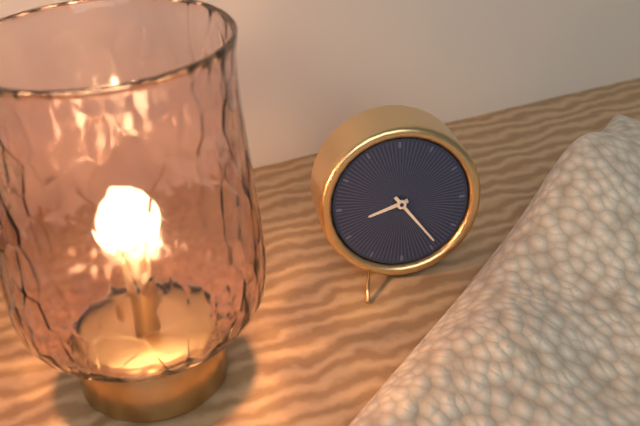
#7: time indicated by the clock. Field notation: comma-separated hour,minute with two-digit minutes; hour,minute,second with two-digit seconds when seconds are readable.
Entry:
8,24
